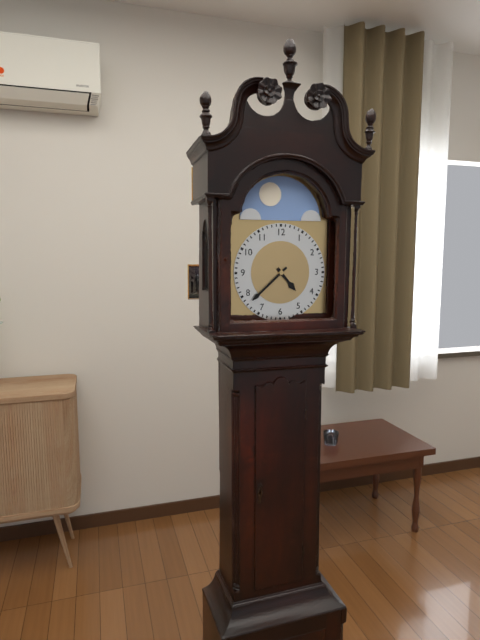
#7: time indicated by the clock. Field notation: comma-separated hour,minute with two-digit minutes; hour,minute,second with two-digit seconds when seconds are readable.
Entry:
4,38
